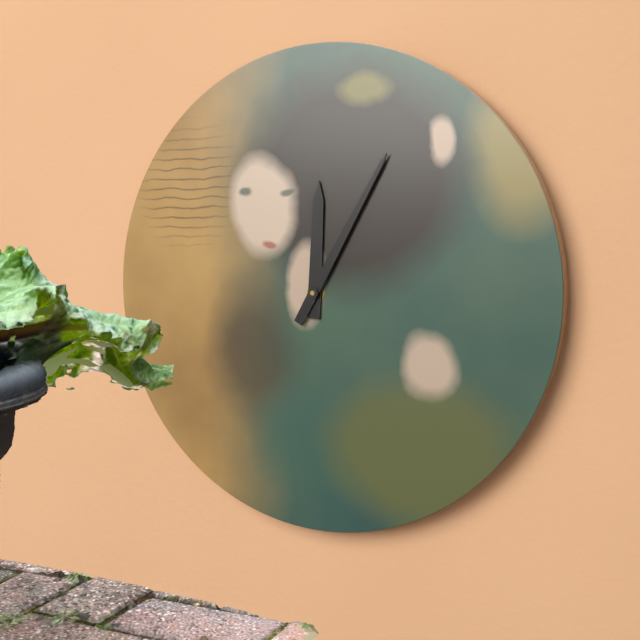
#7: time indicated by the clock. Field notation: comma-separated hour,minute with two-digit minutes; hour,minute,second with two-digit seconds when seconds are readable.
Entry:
12,05
